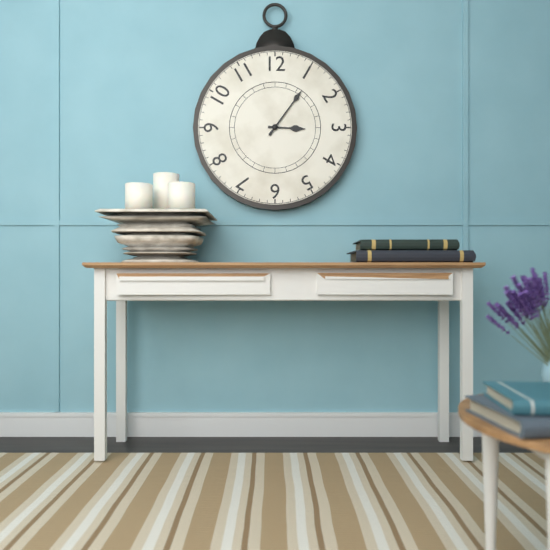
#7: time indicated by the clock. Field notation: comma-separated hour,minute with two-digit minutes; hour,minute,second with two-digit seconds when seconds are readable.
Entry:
3,06
